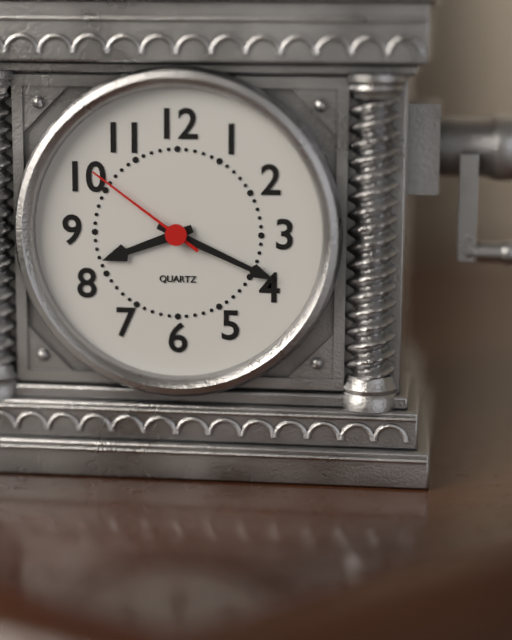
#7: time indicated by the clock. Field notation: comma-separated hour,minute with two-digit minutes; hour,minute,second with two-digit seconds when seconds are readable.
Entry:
8,19,51
